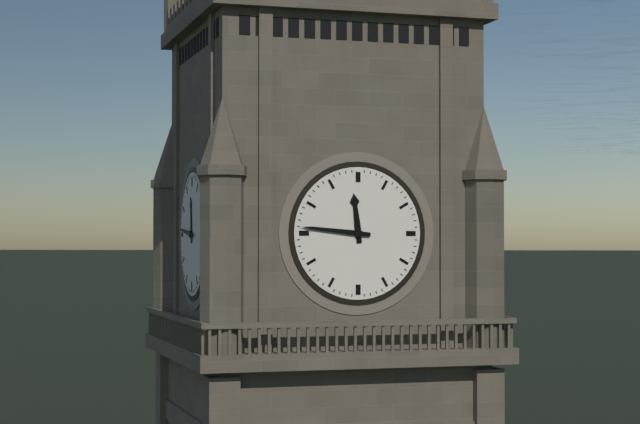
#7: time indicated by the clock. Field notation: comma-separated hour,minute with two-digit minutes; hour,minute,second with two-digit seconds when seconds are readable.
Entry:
11,46
